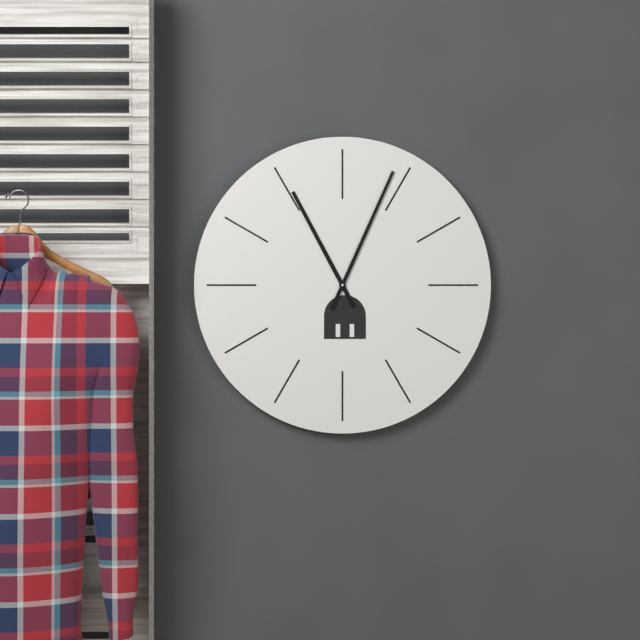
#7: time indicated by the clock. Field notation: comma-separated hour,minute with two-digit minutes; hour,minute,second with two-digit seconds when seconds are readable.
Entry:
11,04
